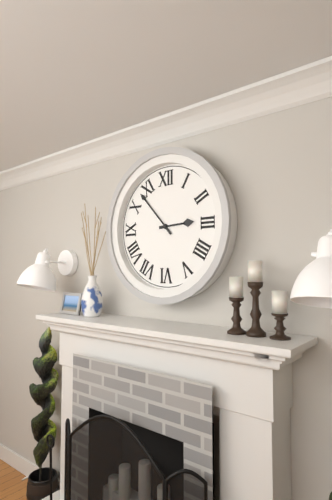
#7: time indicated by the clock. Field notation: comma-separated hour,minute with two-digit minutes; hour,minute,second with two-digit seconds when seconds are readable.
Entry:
2,53
